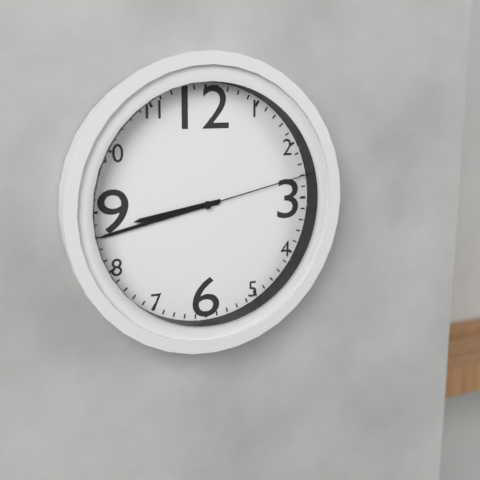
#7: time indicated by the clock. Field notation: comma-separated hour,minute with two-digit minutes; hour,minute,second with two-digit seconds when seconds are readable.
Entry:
8,43,13
